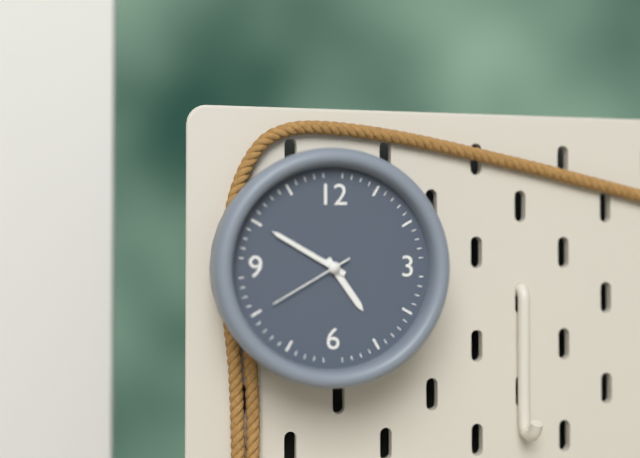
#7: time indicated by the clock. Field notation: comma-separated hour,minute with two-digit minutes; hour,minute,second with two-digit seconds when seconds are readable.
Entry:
4,50,40
